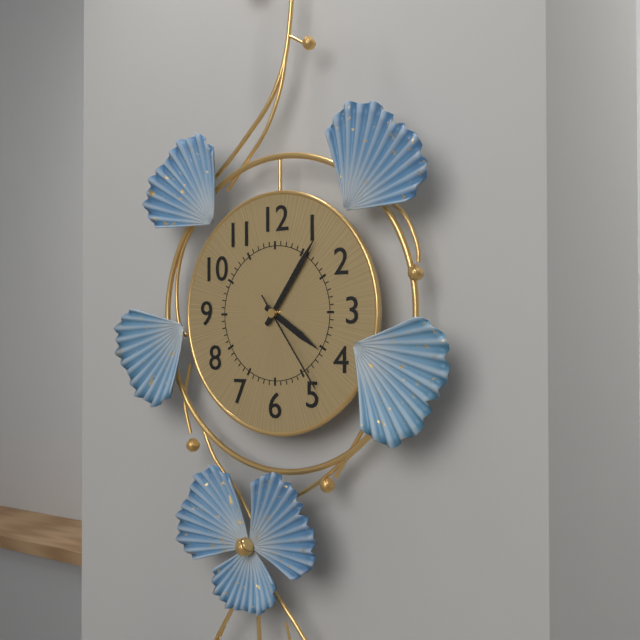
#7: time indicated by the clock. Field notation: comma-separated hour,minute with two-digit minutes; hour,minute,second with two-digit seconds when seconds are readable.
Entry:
4,06,24
